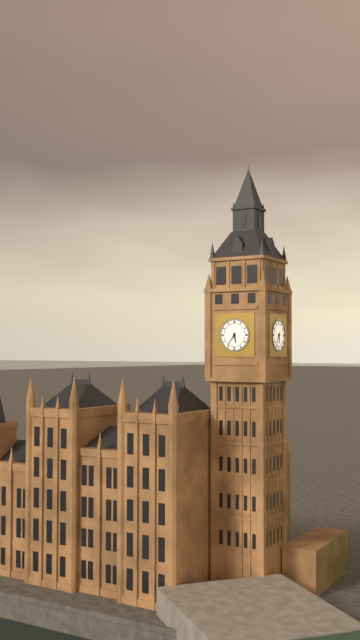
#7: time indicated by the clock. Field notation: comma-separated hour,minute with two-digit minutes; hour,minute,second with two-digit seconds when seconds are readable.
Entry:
5,36
